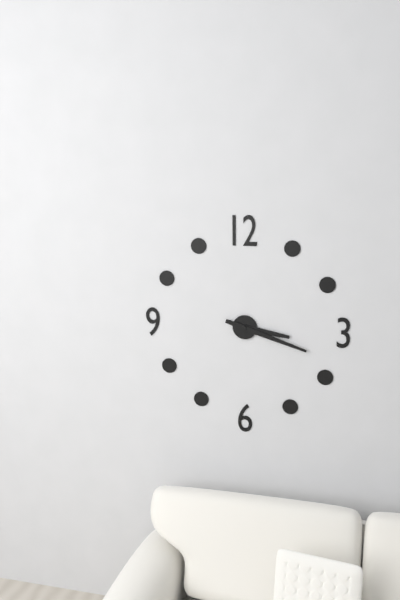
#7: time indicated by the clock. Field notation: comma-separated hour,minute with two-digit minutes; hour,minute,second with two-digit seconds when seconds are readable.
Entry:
3,18
